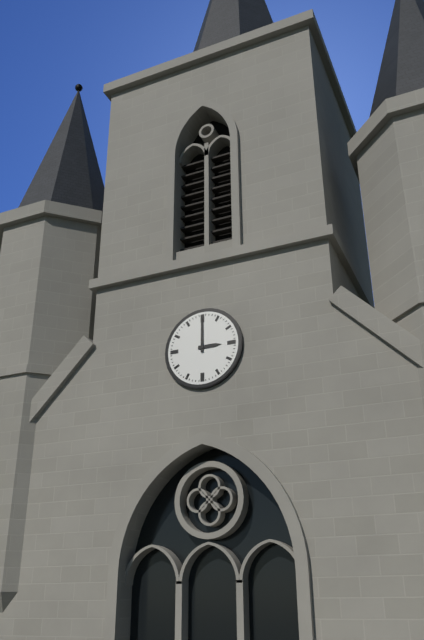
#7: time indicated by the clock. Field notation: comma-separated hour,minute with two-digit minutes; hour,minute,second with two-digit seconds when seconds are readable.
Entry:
3,00
